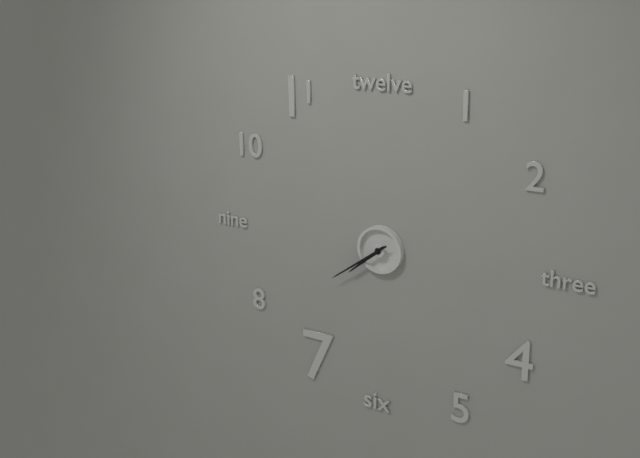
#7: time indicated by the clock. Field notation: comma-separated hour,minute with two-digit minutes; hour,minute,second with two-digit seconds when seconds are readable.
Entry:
7,39
